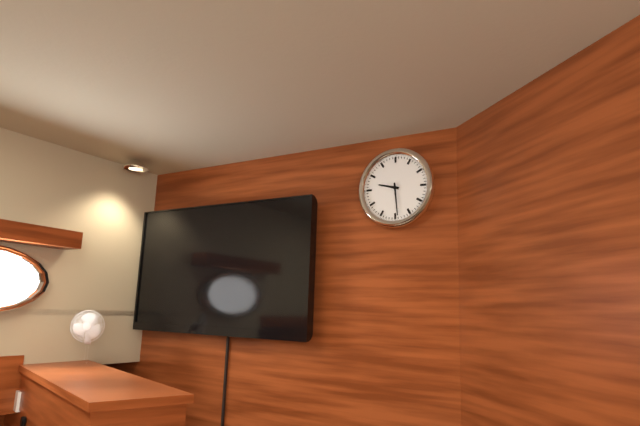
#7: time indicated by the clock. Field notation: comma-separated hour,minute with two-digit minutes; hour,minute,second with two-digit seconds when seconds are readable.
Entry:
9,29
